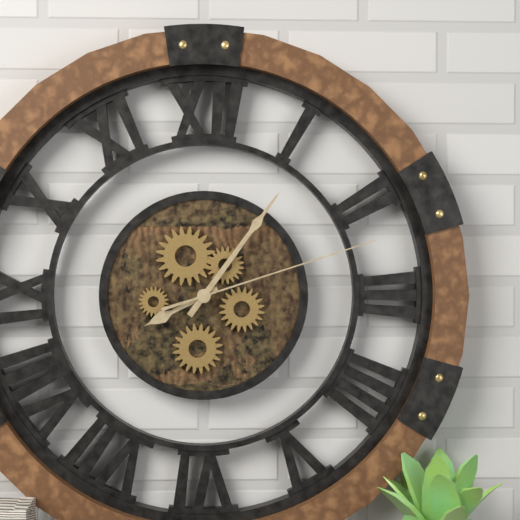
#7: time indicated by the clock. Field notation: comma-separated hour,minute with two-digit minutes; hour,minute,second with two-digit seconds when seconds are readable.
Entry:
8,06,12
